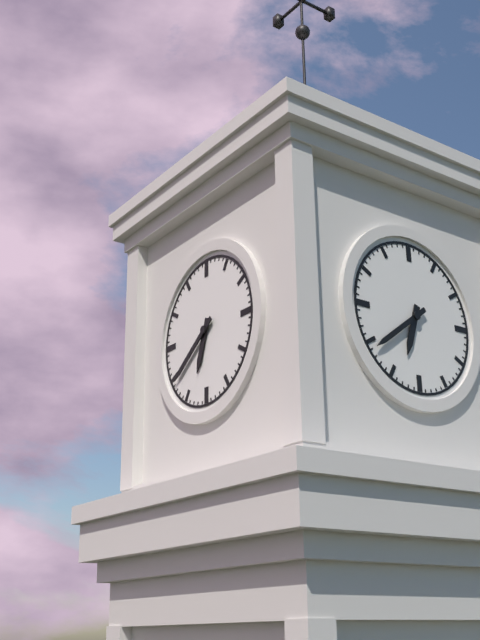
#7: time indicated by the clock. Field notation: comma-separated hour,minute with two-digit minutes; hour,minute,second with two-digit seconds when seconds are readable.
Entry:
6,39
